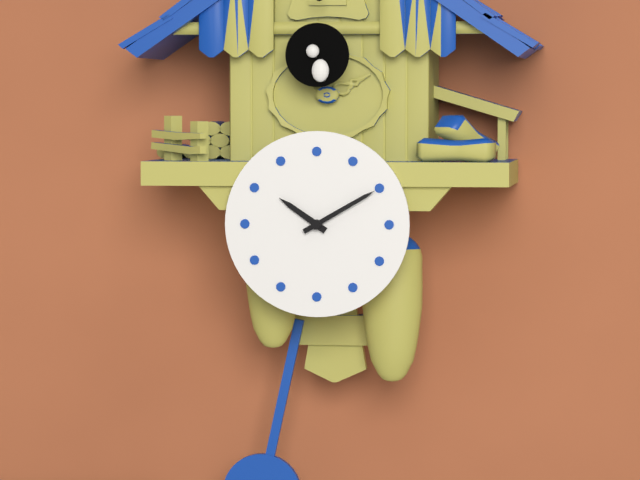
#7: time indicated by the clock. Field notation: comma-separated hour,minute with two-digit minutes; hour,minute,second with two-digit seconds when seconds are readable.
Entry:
10,10
